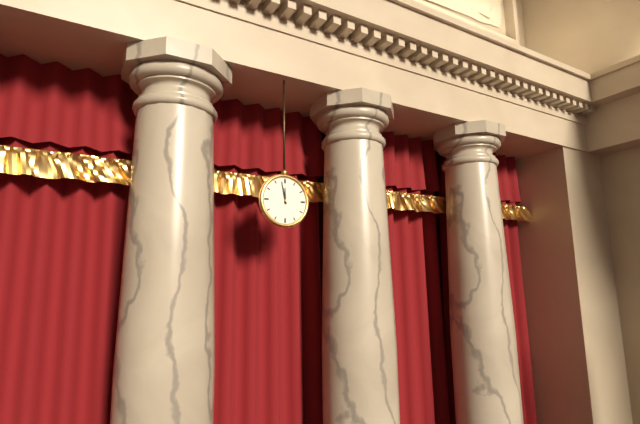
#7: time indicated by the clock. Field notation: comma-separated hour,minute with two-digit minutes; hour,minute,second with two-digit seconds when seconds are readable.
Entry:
11,58
